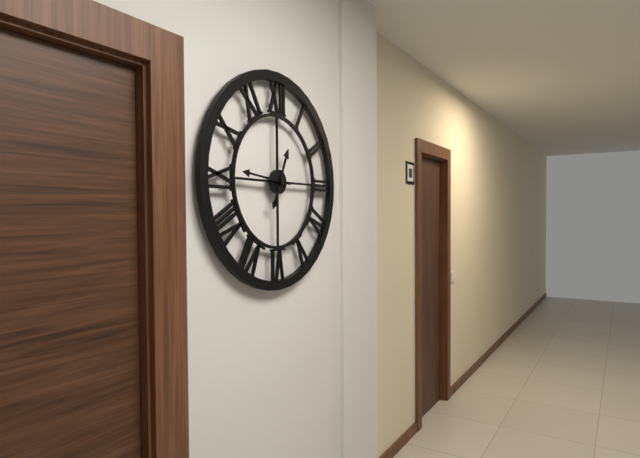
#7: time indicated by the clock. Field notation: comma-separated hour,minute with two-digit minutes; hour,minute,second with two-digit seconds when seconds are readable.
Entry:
12,46
